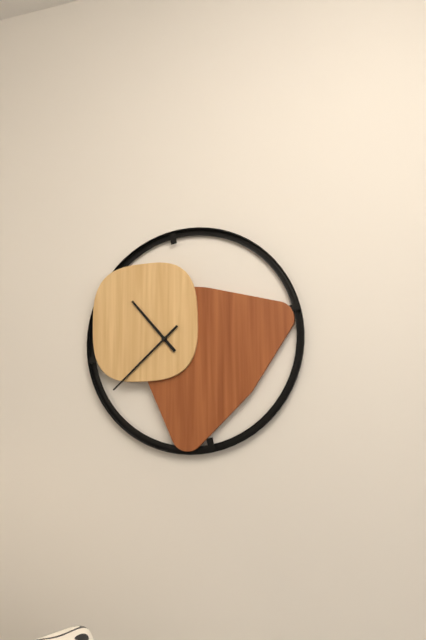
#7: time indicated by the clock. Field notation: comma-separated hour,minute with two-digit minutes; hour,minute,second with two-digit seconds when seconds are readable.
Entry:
10,38
